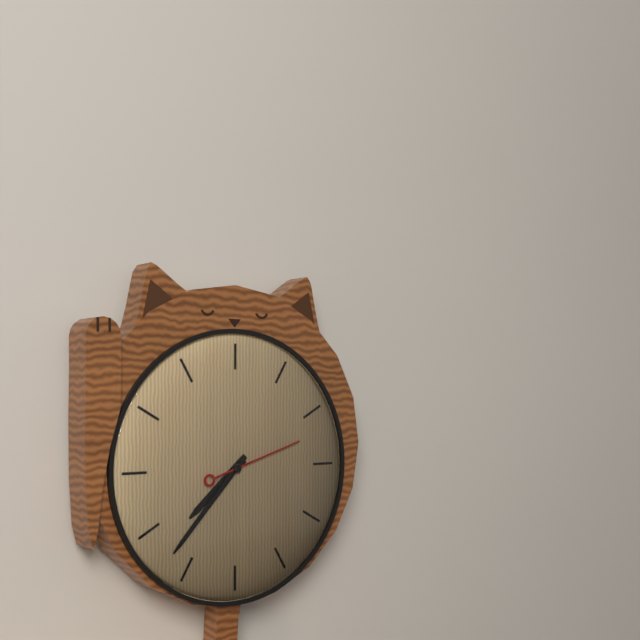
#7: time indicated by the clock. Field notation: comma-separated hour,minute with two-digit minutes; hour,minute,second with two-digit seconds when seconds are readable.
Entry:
7,37,12
